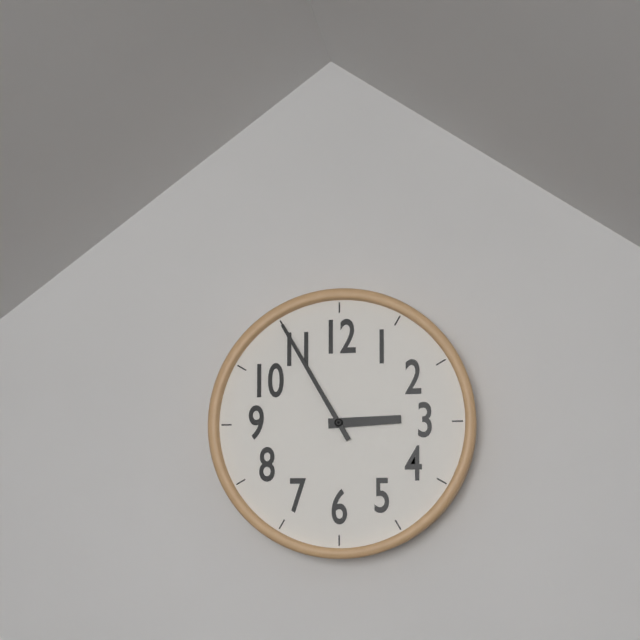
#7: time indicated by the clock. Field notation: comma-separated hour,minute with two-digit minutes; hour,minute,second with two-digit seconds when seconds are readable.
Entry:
2,55
